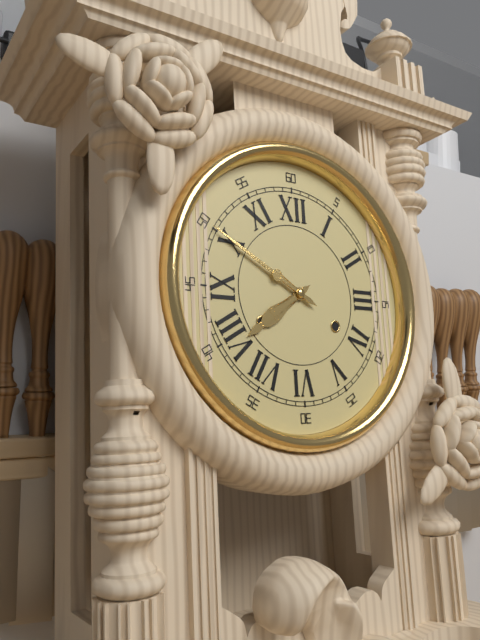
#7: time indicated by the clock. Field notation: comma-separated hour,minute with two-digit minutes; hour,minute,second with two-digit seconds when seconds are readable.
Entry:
7,50
